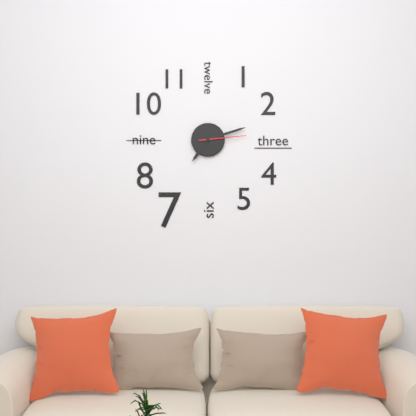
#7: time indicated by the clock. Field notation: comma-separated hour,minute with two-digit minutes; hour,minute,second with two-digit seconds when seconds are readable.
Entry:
7,12
